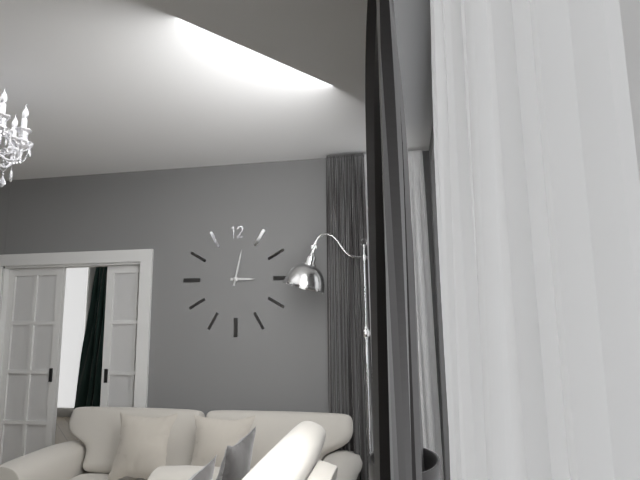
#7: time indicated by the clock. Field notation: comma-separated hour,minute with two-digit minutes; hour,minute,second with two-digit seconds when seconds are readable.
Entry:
3,02
